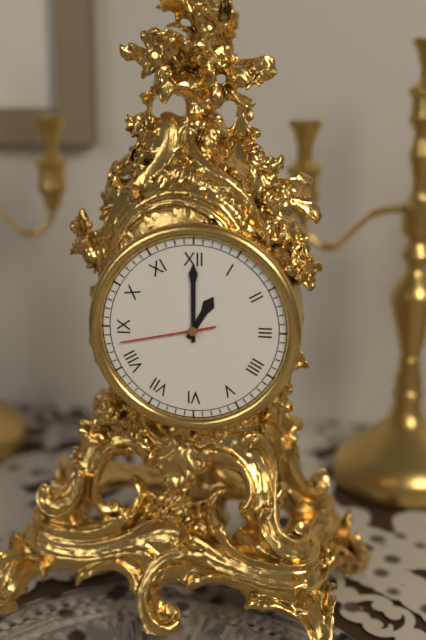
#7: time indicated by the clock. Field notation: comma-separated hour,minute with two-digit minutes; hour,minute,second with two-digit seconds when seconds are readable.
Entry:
1,00,43
